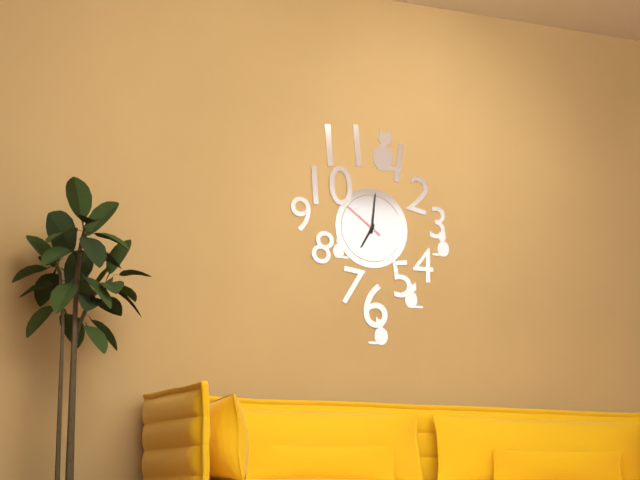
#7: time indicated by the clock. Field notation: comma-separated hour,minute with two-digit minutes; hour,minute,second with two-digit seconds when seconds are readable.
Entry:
7,01
